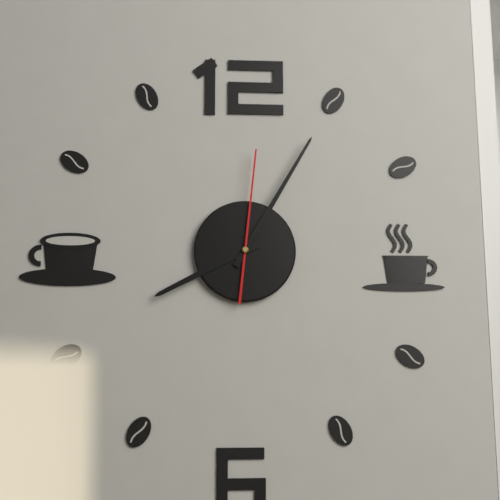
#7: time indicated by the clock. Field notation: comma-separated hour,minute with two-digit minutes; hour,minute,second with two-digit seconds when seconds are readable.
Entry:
8,05,01
